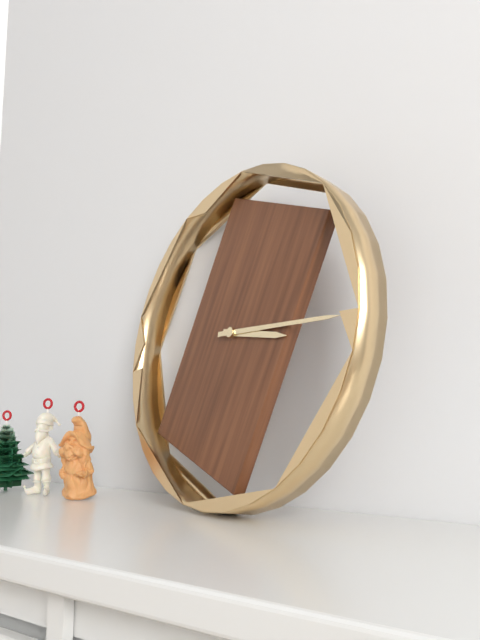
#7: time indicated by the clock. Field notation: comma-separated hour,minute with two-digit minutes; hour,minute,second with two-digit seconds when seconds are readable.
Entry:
3,15
